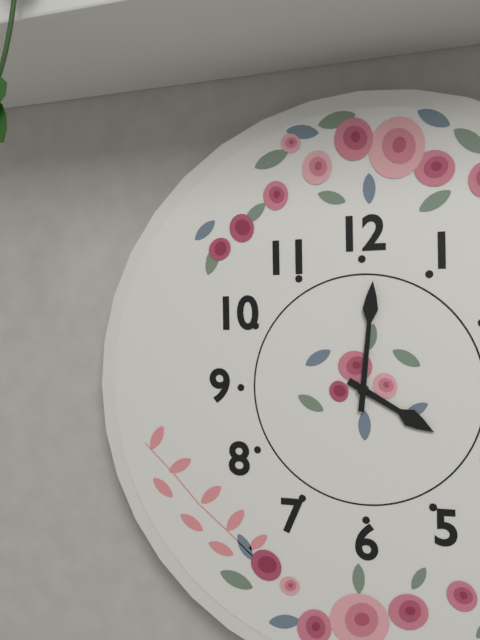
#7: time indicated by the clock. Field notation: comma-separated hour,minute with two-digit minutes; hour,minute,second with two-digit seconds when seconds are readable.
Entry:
4,01
